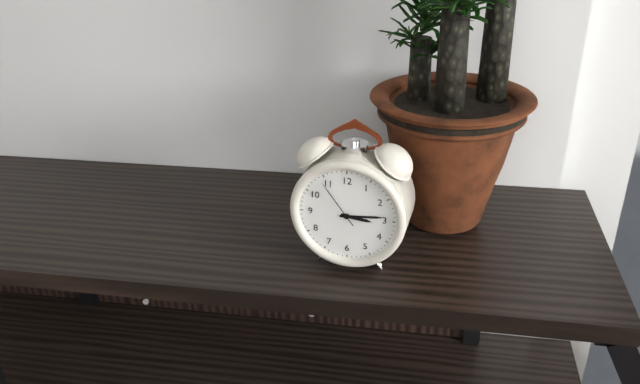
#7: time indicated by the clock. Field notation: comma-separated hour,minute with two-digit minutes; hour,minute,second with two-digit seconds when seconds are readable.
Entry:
3,14,54
